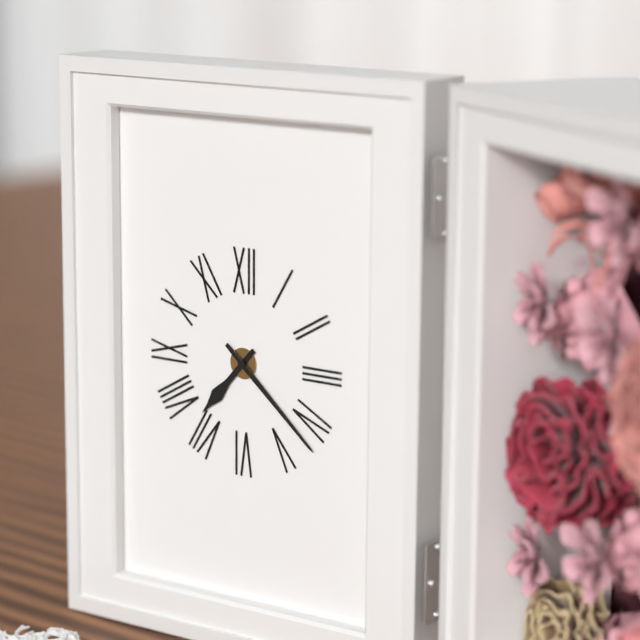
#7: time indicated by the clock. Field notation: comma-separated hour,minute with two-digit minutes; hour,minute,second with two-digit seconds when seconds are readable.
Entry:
7,22
